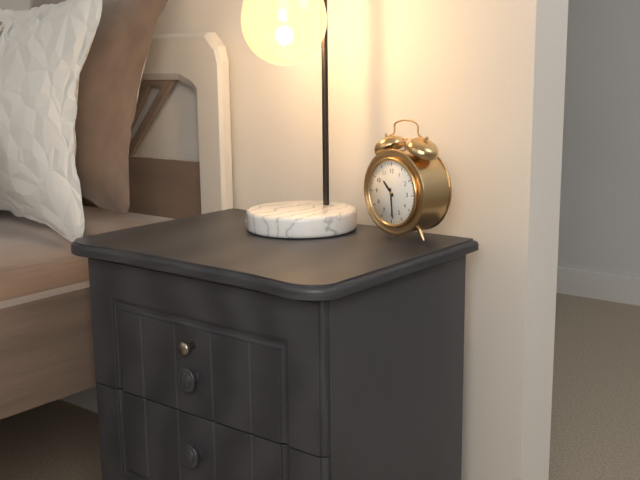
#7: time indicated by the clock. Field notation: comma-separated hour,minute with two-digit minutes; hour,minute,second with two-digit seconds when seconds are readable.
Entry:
10,29
